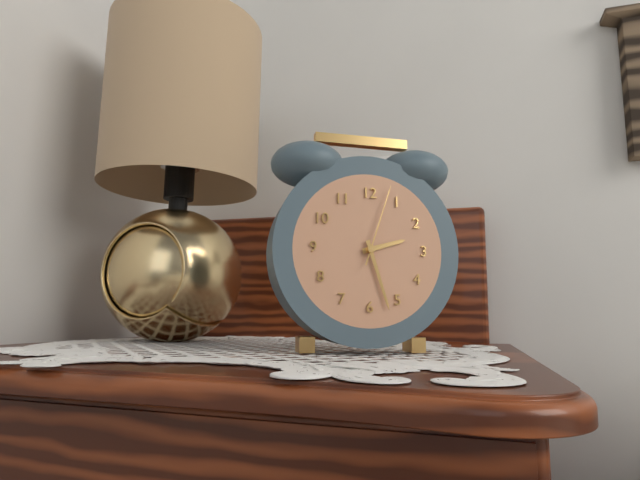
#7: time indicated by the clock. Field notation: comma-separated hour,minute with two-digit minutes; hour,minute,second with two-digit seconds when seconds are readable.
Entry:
2,27,03
